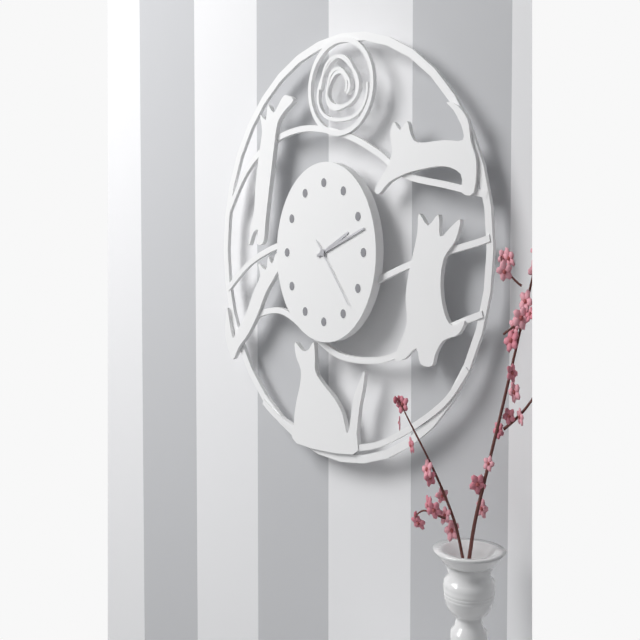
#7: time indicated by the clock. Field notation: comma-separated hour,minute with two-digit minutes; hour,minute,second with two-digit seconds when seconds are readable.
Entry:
2,12,23
